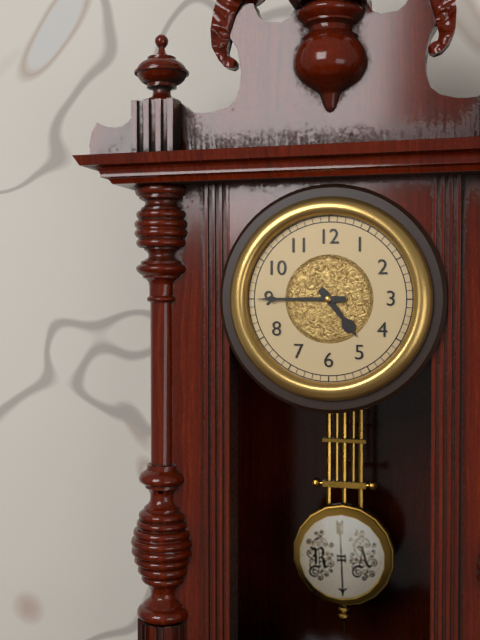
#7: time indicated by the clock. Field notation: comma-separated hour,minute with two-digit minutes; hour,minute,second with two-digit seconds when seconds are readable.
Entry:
4,45
